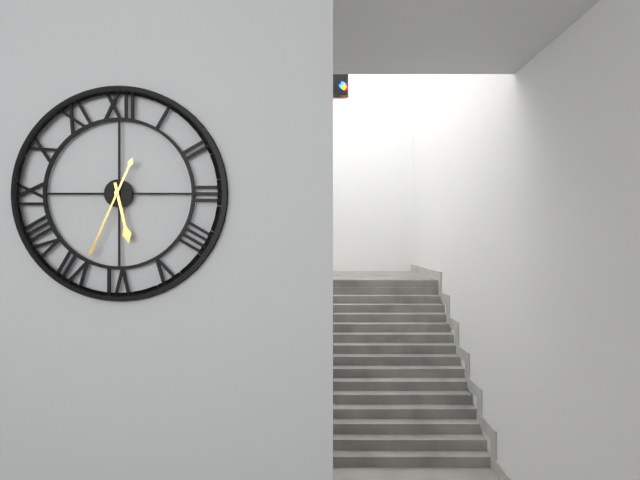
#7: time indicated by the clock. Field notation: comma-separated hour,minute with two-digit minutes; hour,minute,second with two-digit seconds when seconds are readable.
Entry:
5,34
